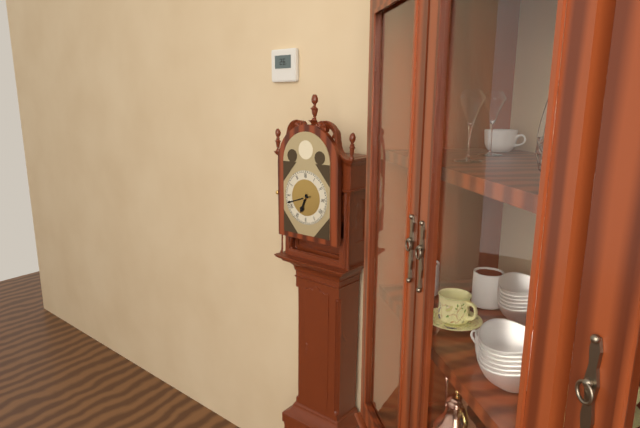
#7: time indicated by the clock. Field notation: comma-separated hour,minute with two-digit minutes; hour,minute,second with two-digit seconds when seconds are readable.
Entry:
6,42
